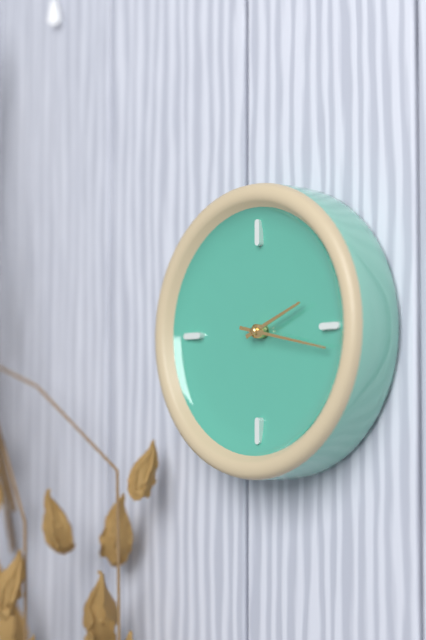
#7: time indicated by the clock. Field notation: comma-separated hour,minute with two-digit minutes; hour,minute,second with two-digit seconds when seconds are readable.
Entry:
2,17
